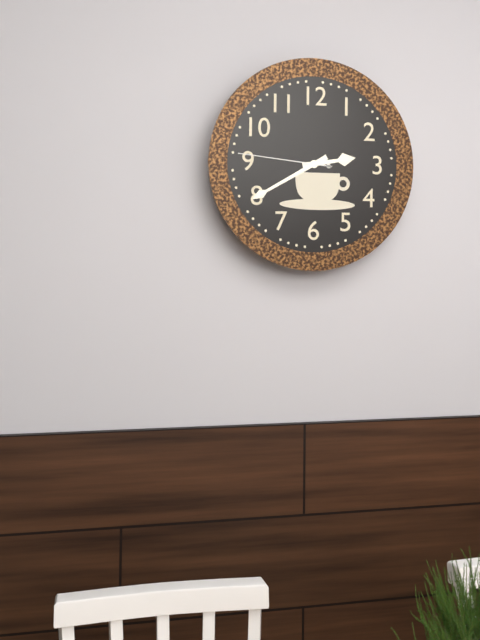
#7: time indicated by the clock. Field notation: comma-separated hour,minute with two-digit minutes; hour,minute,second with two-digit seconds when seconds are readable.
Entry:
2,40,46
